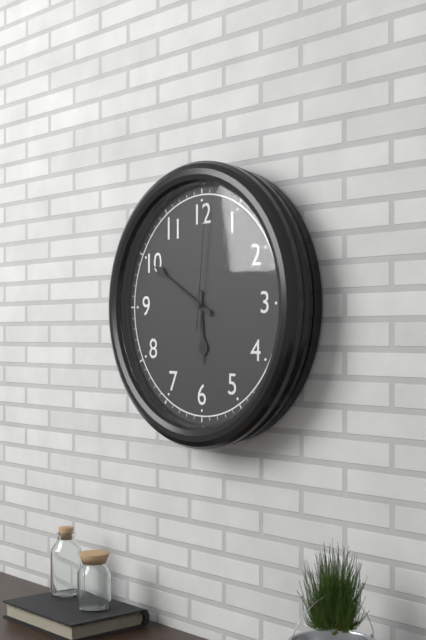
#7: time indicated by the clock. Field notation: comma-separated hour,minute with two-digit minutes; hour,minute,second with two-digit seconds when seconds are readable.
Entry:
5,50,01
